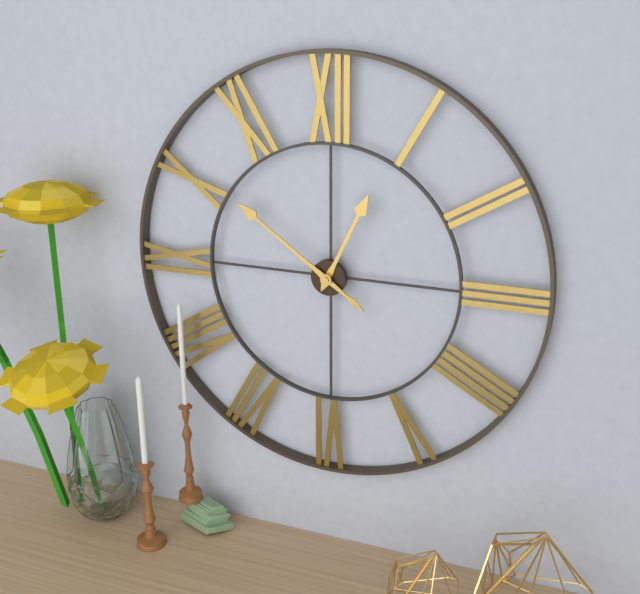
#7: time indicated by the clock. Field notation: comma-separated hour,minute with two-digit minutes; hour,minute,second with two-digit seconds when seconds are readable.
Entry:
12,51
